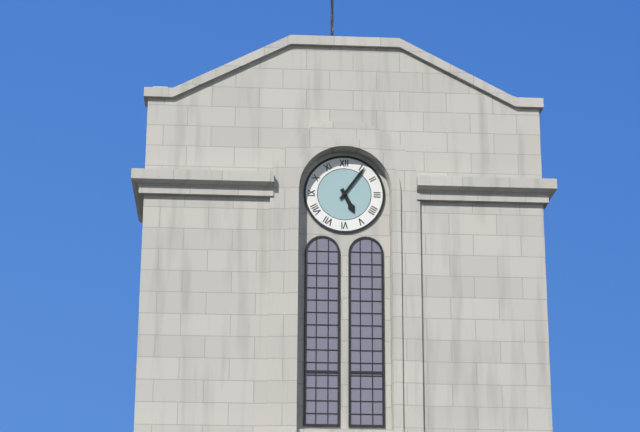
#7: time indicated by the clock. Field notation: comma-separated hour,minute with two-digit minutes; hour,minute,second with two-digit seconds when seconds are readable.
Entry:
5,06
